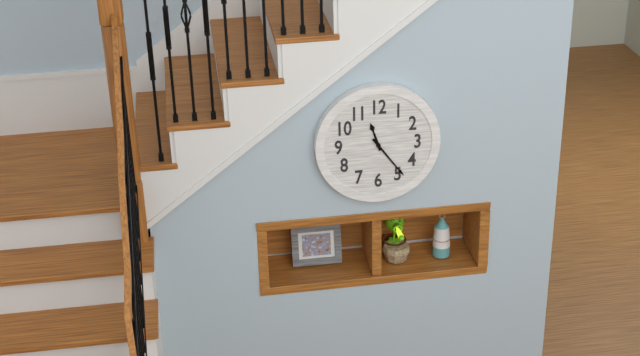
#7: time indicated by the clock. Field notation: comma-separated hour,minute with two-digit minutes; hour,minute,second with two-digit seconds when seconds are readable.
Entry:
11,24
